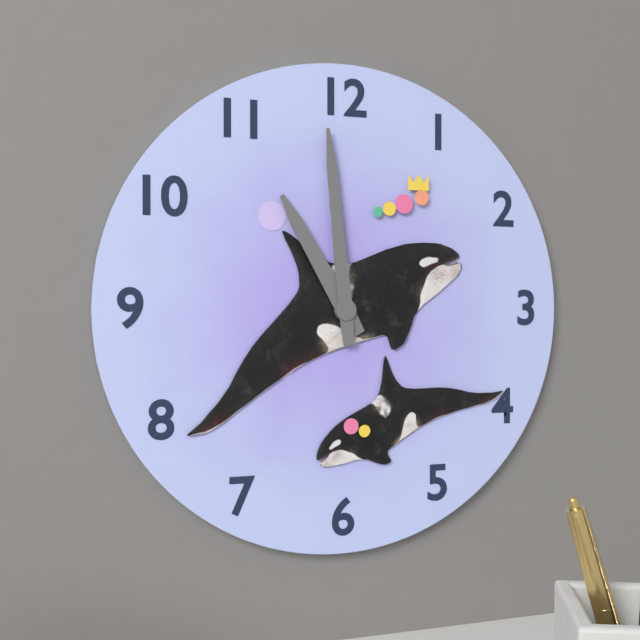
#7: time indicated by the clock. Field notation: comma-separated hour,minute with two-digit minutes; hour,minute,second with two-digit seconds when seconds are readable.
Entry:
10,59
